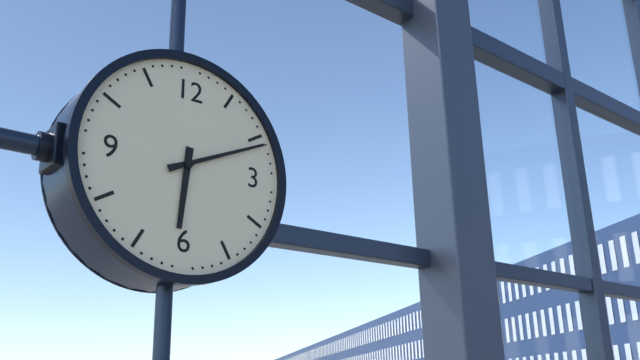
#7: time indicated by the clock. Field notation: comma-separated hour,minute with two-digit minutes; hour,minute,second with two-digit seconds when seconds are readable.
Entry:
6,11
